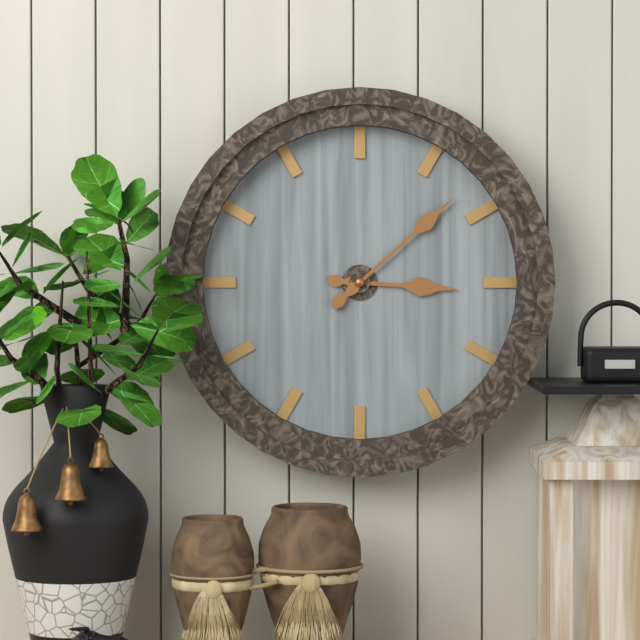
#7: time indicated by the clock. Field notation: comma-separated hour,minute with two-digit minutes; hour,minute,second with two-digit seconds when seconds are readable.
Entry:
3,08
